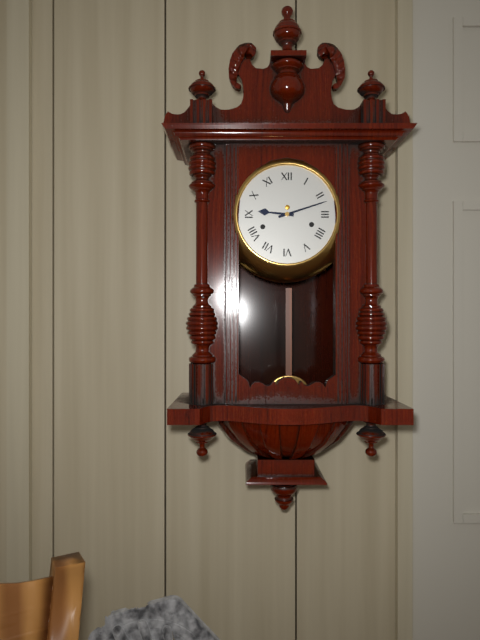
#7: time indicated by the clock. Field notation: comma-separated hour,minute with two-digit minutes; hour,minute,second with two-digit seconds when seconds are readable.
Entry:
9,12
